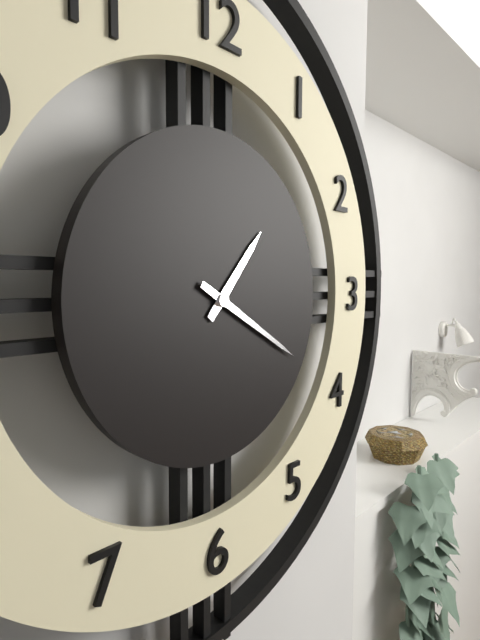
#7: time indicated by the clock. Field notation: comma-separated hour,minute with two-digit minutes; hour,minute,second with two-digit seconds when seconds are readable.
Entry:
1,20
